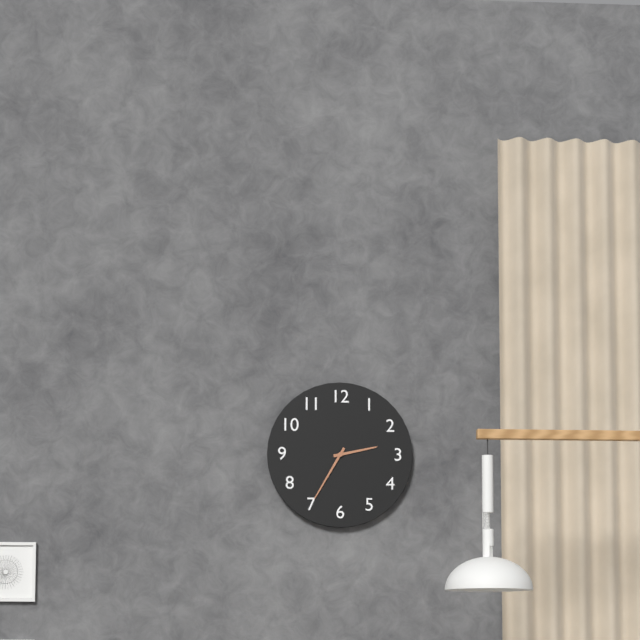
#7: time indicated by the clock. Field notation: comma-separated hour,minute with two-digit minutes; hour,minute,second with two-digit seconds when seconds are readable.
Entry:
2,35
